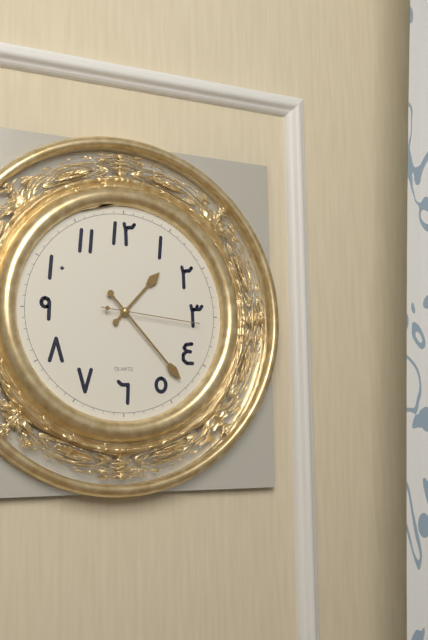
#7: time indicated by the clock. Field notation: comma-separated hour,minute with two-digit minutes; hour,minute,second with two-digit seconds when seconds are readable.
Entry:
1,23,16
